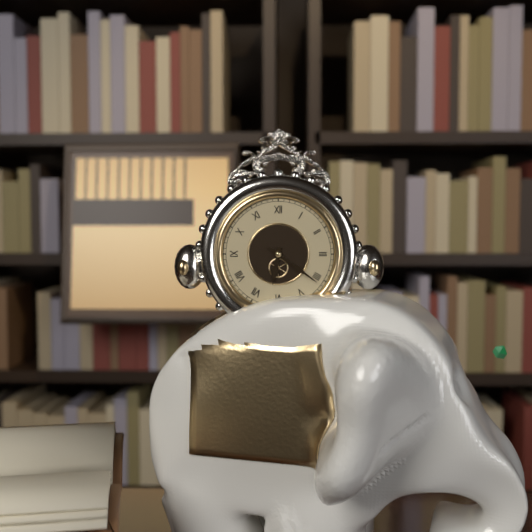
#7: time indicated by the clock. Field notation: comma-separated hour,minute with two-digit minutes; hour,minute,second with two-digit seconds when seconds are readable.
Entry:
6,21
